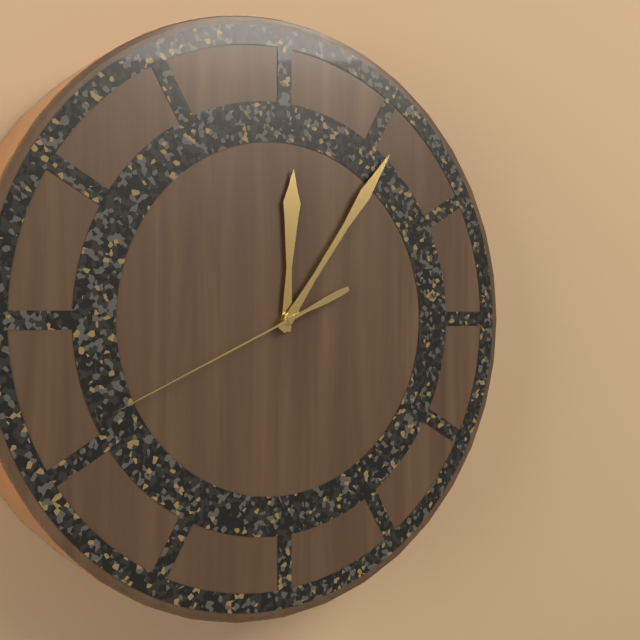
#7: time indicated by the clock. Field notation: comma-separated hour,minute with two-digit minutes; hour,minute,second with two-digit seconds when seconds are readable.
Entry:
12,06,41
